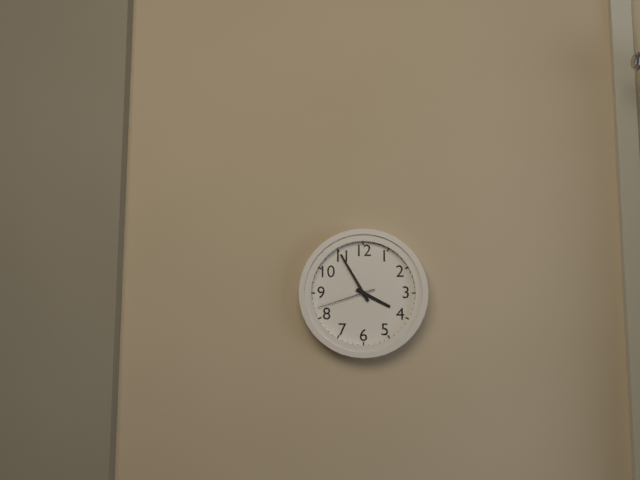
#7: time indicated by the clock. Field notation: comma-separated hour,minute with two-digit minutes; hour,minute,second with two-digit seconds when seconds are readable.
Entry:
3,55,42
